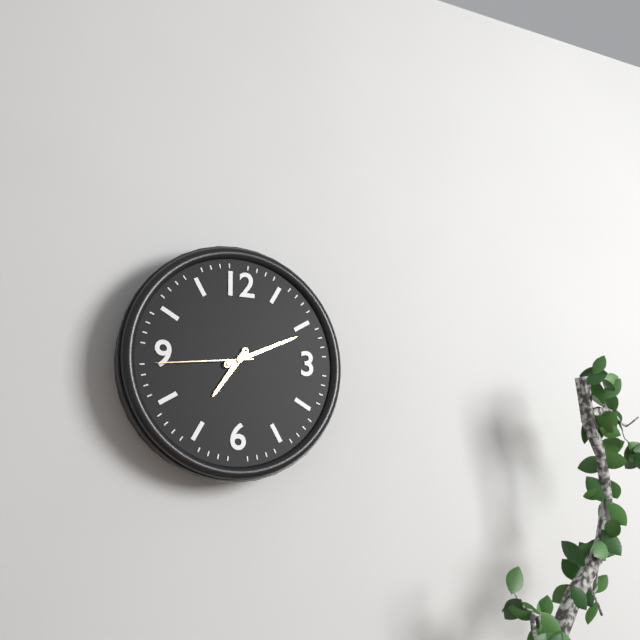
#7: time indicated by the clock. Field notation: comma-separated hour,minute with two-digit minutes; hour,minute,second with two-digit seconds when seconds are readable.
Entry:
7,11,44
